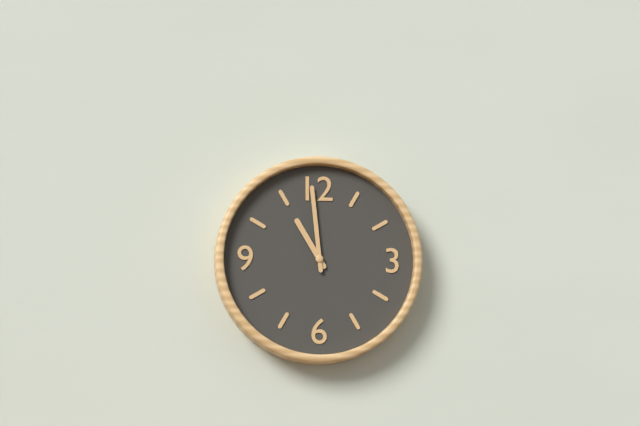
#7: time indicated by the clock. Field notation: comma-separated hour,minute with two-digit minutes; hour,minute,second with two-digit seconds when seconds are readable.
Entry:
10,59
